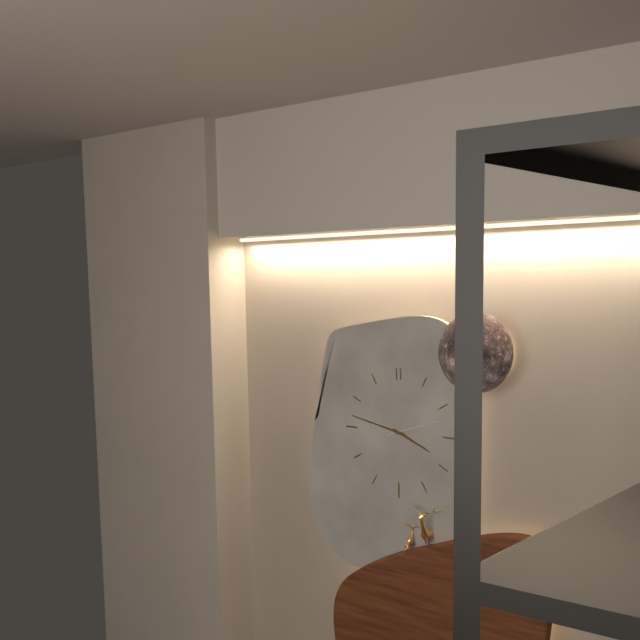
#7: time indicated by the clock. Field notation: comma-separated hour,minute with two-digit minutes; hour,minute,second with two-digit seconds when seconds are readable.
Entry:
3,47,12
